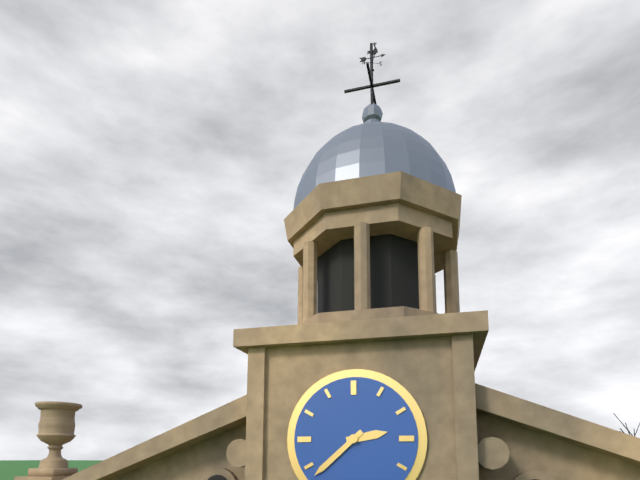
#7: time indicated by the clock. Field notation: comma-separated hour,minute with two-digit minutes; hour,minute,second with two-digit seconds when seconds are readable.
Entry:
2,38
